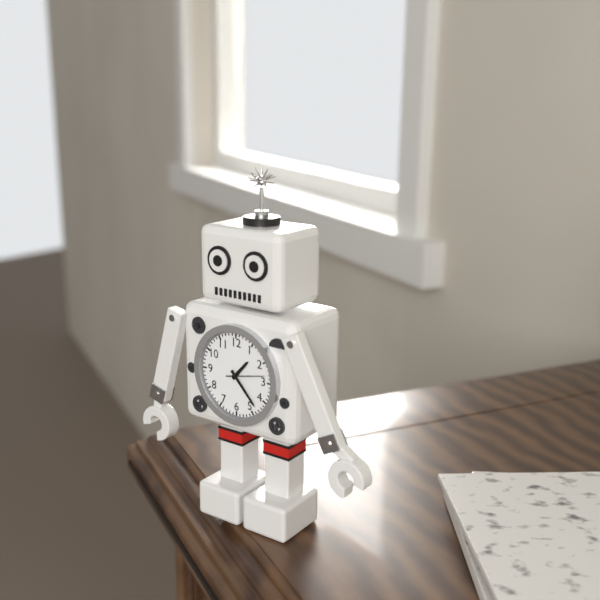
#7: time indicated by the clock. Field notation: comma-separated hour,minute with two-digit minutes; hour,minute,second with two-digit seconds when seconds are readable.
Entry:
1,23
